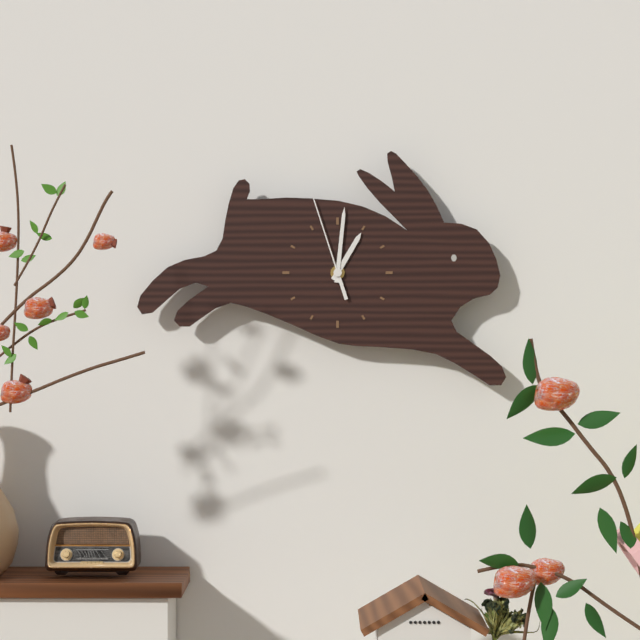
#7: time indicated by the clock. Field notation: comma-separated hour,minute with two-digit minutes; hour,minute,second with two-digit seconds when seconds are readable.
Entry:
1,01,57
